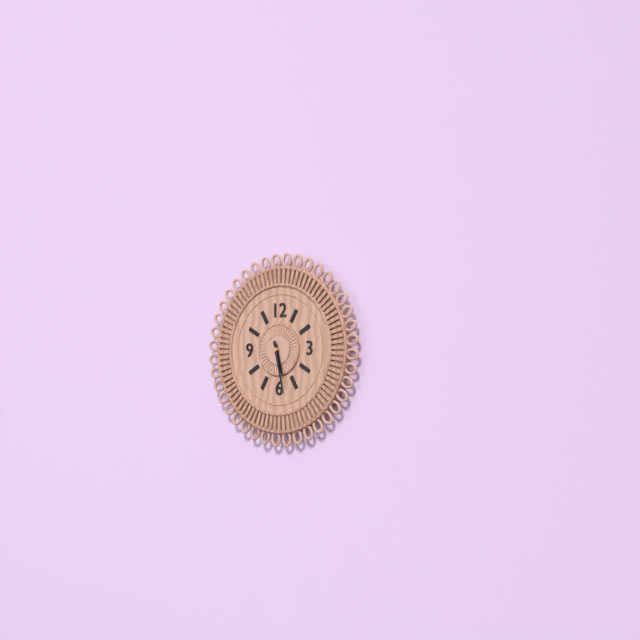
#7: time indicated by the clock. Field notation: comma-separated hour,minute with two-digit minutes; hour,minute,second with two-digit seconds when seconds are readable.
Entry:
5,28
